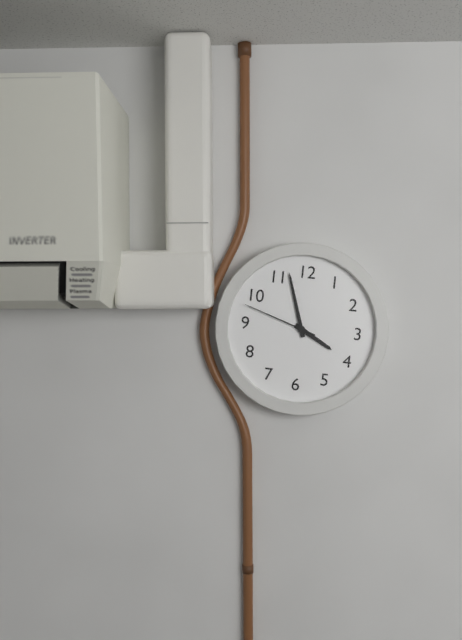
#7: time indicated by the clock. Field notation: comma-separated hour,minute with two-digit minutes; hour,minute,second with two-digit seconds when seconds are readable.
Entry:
3,57,48
